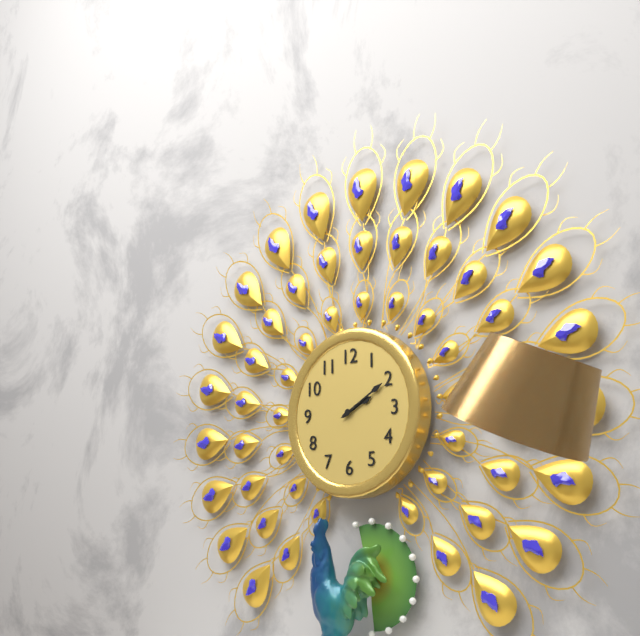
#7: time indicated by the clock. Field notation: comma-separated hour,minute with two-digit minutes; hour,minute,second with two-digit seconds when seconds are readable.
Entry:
2,10
